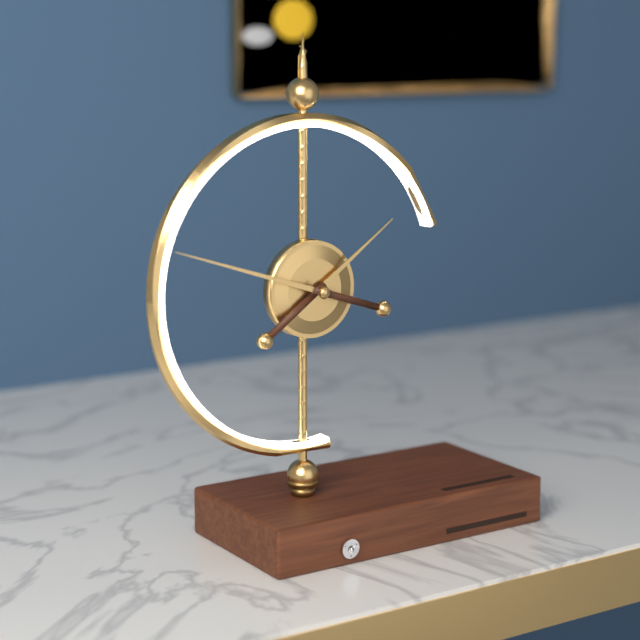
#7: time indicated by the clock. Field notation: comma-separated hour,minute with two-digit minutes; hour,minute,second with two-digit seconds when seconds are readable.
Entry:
1,48
